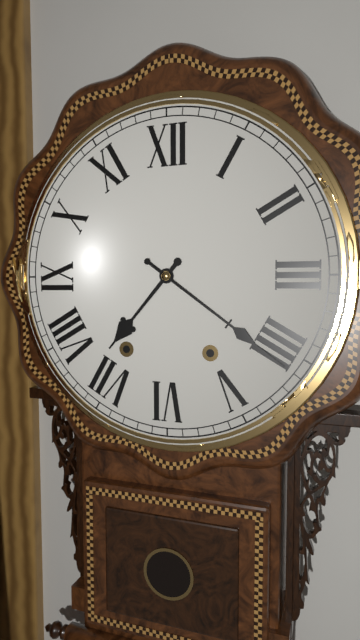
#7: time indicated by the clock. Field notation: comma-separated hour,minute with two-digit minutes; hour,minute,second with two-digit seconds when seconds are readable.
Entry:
7,21
